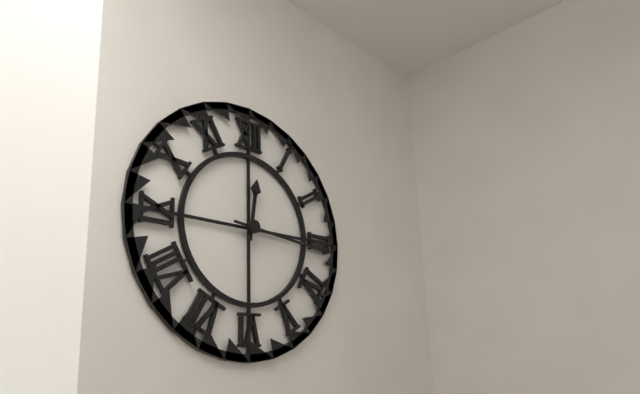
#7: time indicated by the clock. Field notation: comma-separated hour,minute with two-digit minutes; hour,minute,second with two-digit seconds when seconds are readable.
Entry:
12,16
